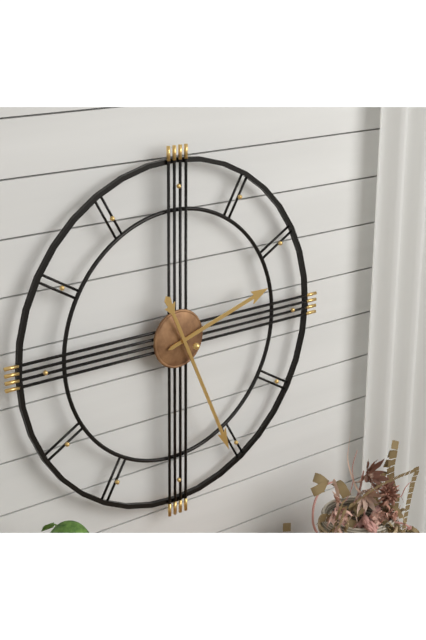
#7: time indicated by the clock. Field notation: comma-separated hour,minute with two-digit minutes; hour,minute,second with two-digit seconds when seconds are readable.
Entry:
2,26
